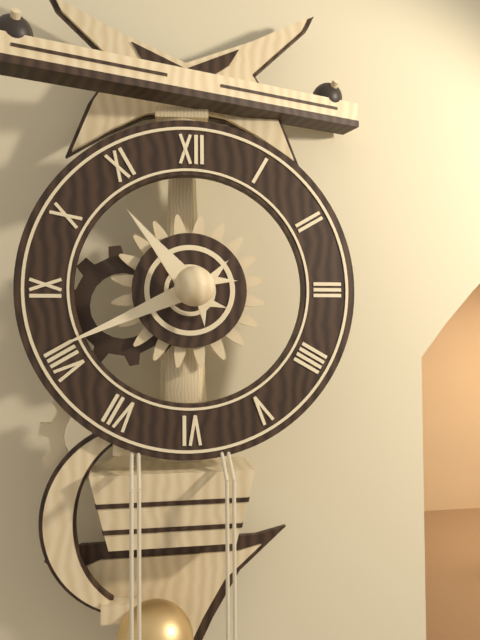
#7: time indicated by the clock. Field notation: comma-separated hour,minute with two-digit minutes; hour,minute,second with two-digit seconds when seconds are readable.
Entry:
10,41
